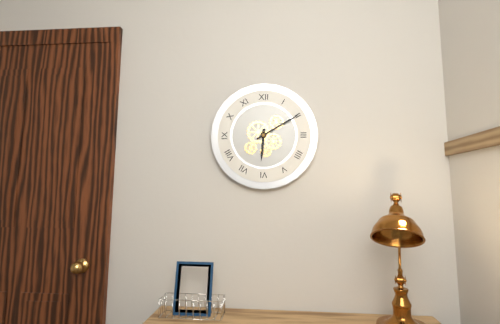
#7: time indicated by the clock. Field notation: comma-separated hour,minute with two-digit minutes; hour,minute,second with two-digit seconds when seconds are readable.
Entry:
6,10
